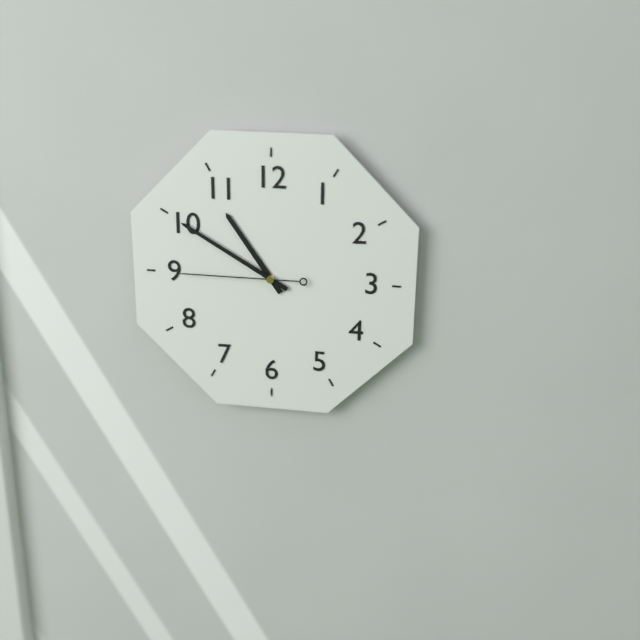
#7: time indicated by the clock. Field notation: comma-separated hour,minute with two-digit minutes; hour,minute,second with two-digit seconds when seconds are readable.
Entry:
10,50,45
